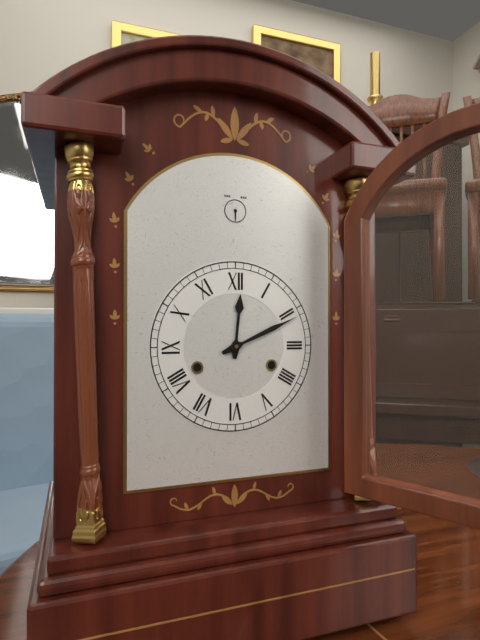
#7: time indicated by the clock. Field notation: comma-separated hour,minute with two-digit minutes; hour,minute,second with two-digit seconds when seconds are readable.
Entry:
12,11
